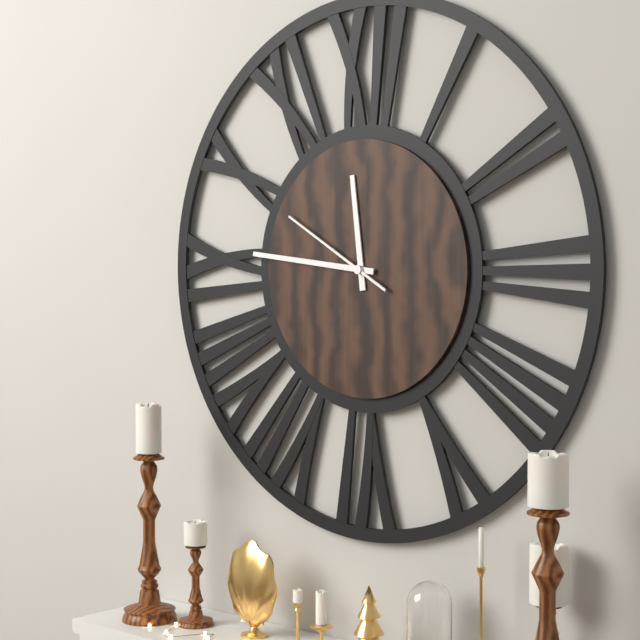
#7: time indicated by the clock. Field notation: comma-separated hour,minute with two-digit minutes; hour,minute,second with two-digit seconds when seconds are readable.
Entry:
11,46,50
